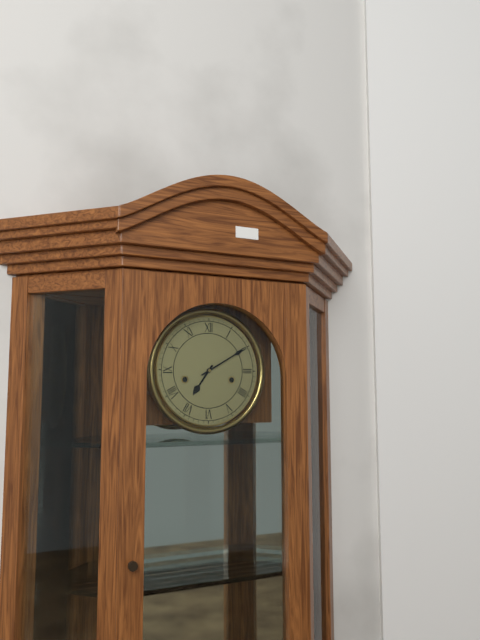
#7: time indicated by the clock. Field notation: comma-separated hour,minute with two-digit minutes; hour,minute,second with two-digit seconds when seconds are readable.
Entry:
7,10
